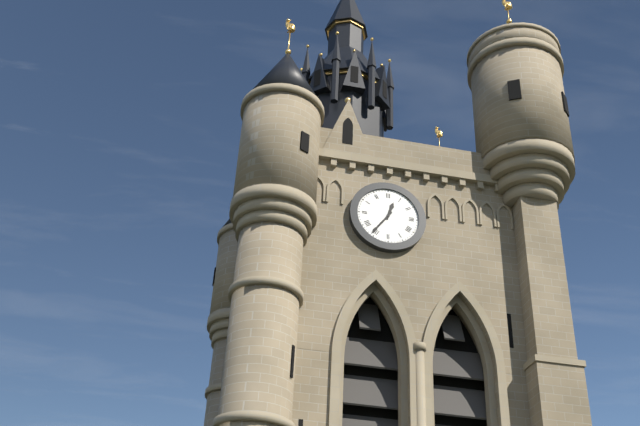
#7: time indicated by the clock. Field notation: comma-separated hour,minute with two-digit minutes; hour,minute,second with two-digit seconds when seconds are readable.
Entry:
12,36
